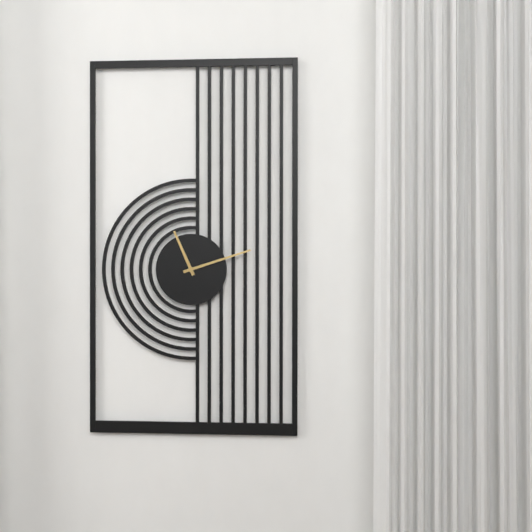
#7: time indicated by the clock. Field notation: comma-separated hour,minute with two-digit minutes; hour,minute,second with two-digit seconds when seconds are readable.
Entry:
11,12
